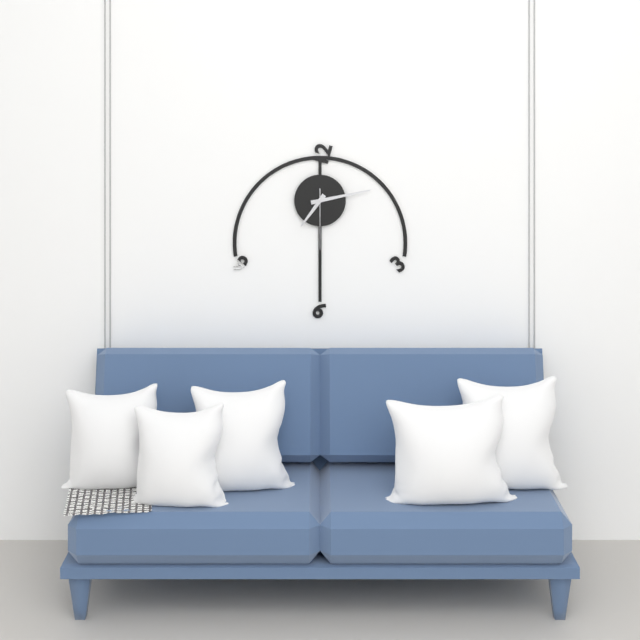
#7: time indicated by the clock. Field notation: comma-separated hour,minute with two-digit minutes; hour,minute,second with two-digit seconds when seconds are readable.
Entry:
7,13,30
